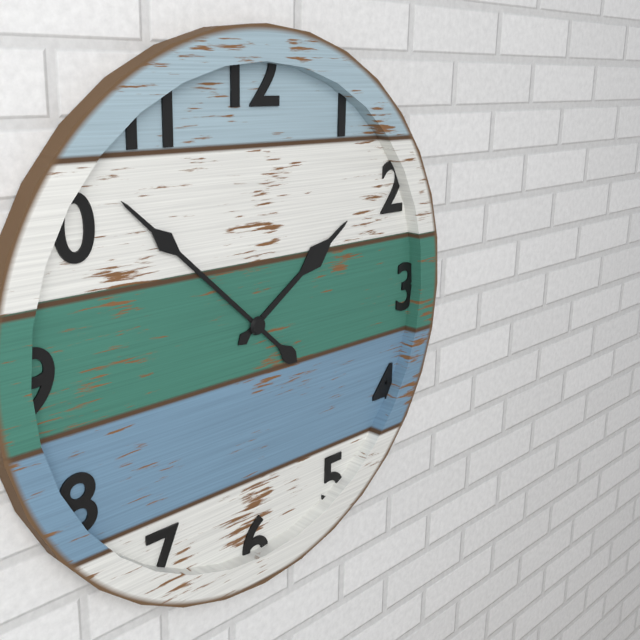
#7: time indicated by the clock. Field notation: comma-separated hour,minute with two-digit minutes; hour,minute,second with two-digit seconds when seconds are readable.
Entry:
1,52
